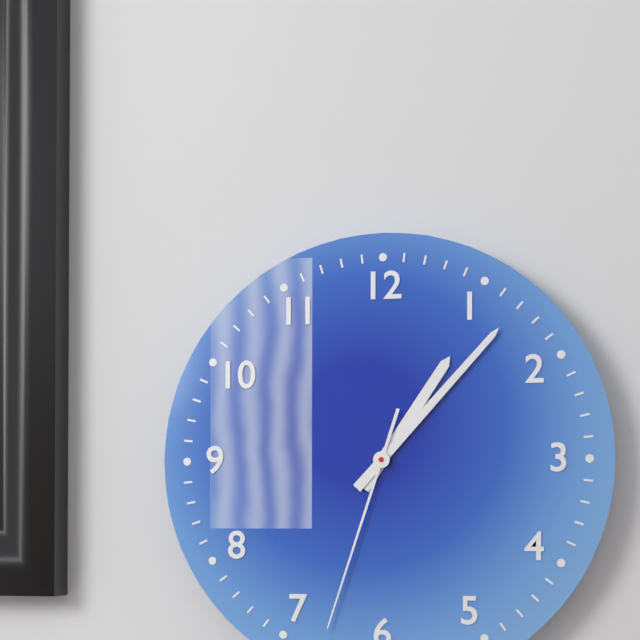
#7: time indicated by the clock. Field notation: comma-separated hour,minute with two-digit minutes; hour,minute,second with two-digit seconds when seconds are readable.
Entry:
1,07,33
